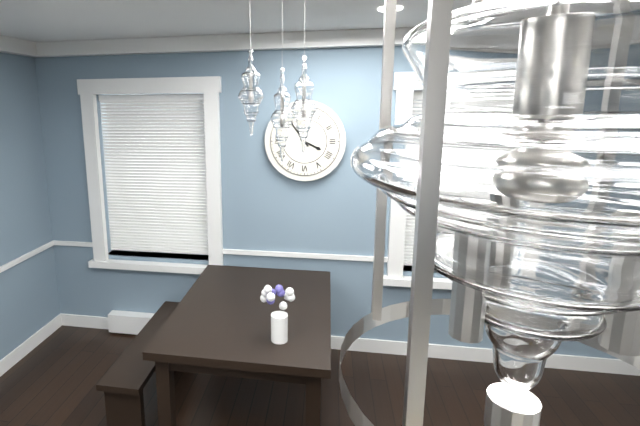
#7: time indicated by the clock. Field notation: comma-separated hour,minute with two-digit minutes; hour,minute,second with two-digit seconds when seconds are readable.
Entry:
3,54
